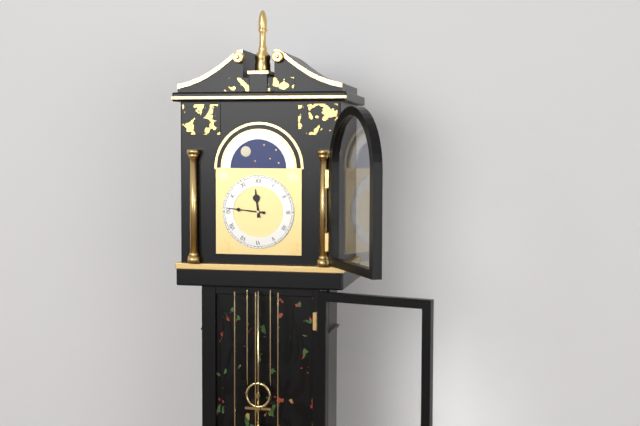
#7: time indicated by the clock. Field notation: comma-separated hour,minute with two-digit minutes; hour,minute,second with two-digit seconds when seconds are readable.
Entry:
11,46
